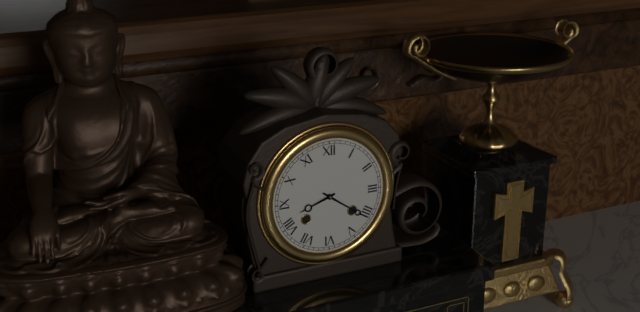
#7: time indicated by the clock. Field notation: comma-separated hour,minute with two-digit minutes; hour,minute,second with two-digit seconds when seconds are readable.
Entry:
8,21
